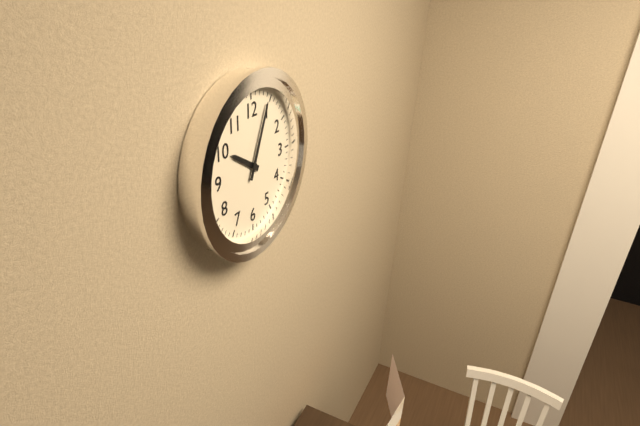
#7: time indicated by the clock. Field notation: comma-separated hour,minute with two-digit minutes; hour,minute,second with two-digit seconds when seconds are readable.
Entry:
10,04
